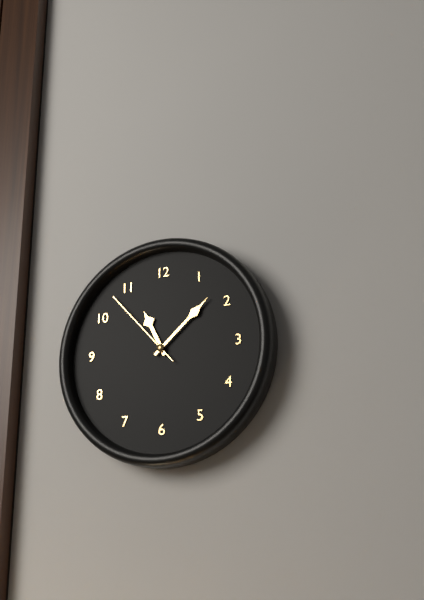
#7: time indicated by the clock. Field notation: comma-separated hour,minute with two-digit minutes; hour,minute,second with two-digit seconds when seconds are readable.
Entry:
11,08,53
